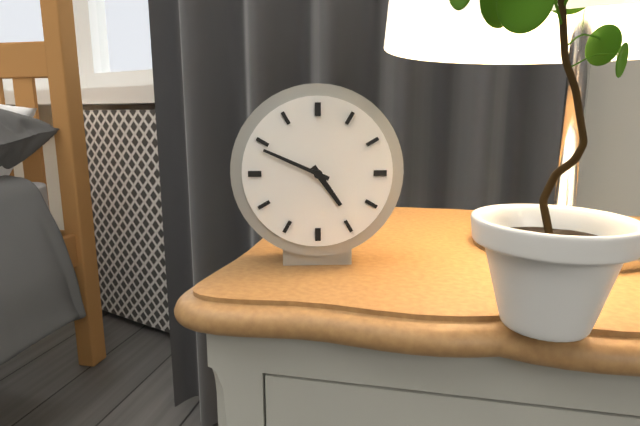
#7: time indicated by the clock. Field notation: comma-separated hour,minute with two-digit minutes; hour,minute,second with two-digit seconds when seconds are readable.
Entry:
4,49
